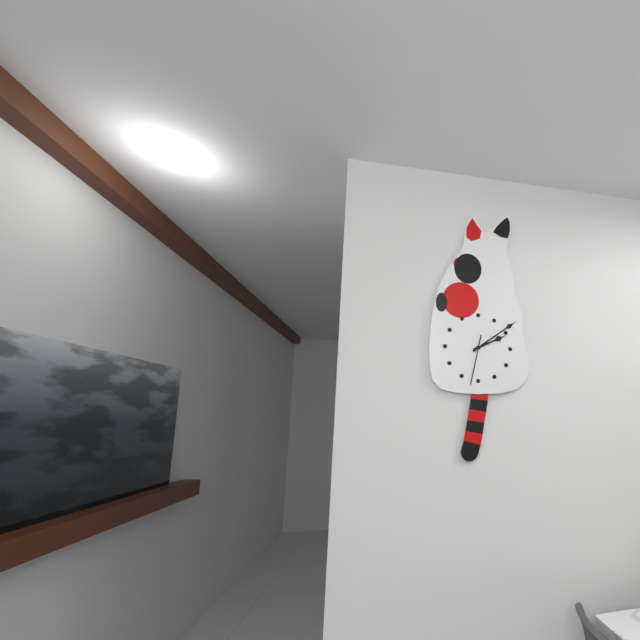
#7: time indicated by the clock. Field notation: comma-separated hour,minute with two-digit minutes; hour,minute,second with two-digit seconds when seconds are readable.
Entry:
2,09
